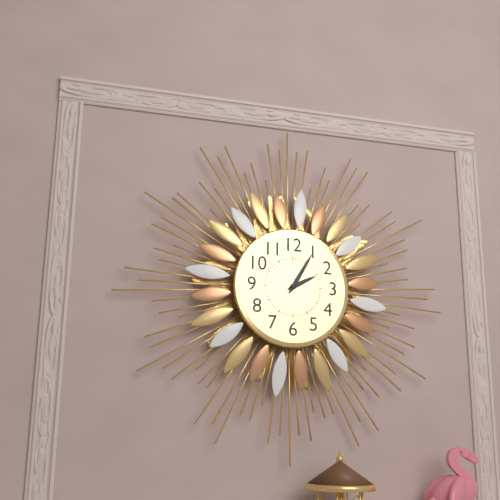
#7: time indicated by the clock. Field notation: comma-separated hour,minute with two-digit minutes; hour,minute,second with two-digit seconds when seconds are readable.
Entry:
2,05
